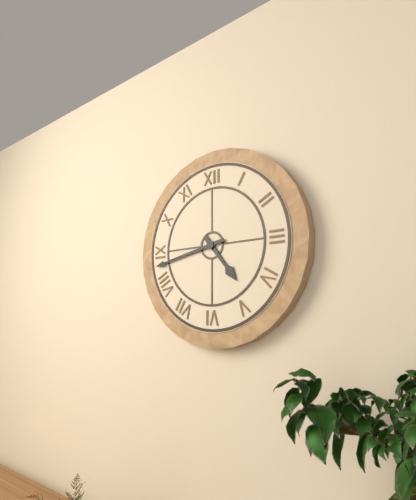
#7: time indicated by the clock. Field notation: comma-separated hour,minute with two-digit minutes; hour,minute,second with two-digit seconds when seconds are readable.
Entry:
4,43
